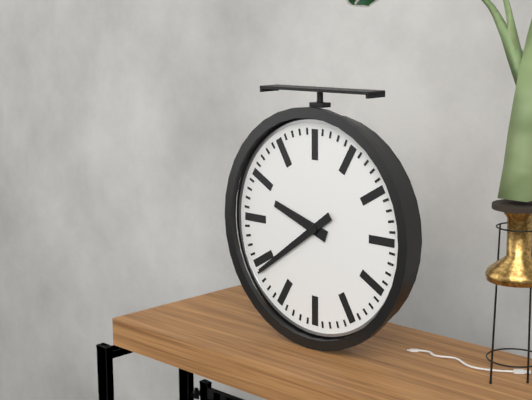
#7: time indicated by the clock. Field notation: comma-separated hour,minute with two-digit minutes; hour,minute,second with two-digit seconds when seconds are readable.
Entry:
9,39
